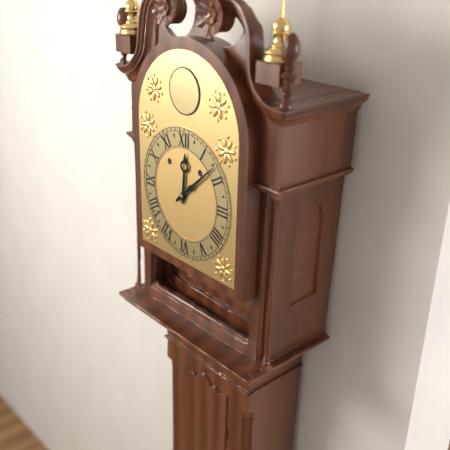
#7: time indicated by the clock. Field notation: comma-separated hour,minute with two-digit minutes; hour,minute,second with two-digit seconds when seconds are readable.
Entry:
12,08
